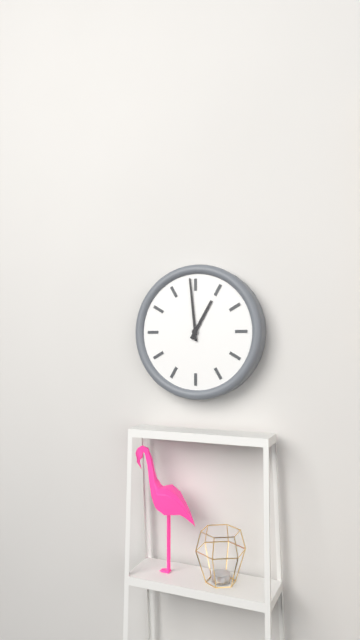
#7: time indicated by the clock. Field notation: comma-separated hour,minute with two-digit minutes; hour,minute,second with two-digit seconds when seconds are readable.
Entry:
12,59
